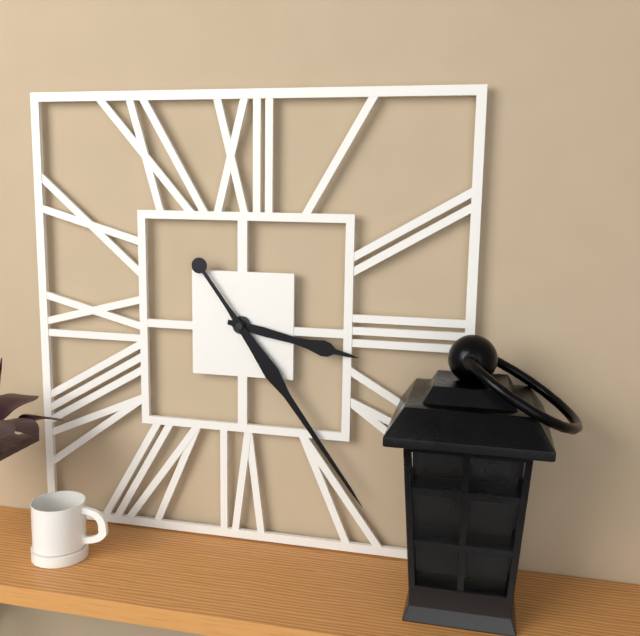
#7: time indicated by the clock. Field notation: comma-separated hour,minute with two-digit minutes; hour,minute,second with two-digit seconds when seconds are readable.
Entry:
3,24
